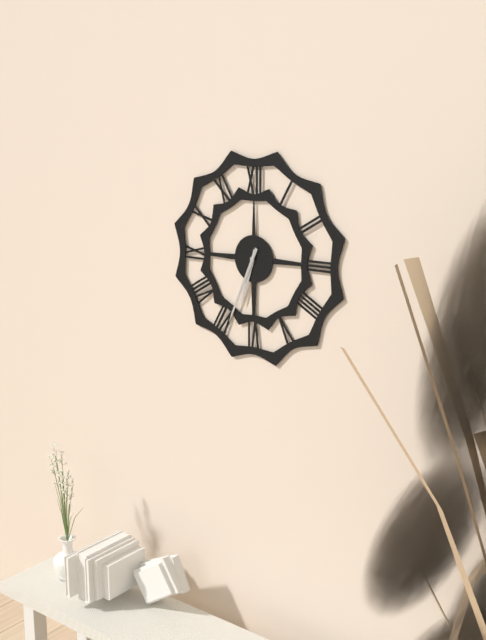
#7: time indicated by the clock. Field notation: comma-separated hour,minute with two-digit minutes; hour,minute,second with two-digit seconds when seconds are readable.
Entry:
6,34
